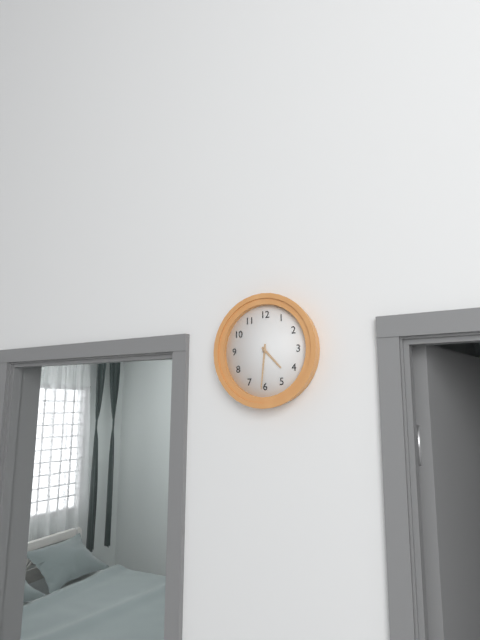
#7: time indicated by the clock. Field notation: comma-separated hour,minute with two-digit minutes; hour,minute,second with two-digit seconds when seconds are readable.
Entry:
4,31
